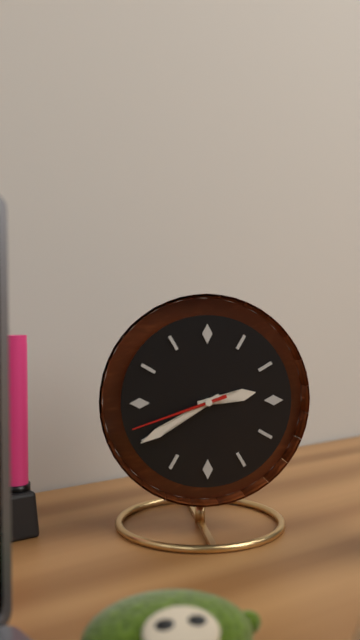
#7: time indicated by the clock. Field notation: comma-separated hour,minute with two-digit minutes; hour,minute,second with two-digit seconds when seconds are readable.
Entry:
2,40,42
